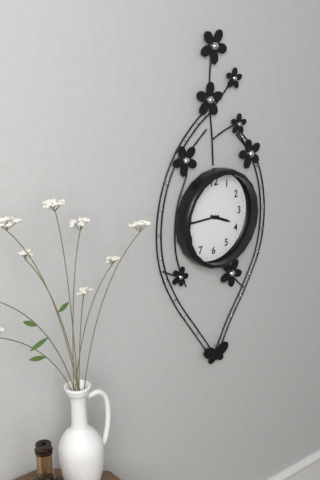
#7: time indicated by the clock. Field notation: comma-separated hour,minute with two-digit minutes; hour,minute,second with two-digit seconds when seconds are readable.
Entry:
3,45
